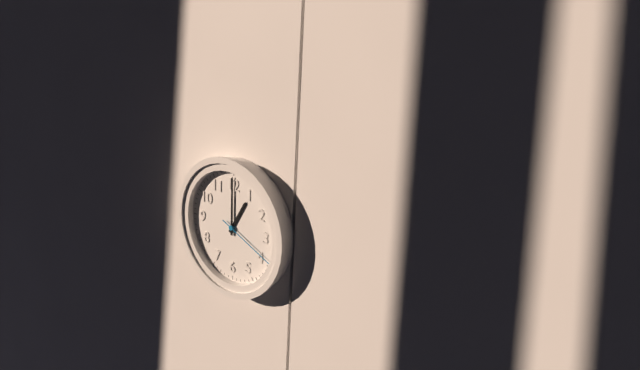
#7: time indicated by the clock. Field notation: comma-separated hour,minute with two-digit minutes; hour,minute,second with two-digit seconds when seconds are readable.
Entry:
1,00,19
